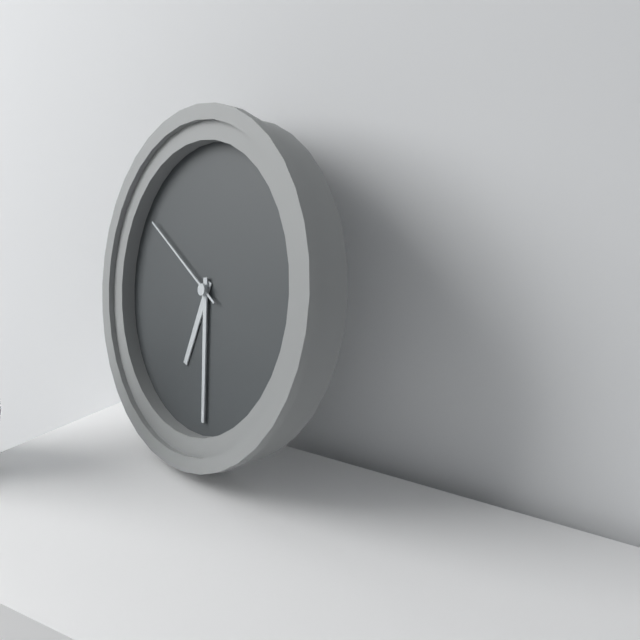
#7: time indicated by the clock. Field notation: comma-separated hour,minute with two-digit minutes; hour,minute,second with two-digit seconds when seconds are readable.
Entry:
6,28,49
